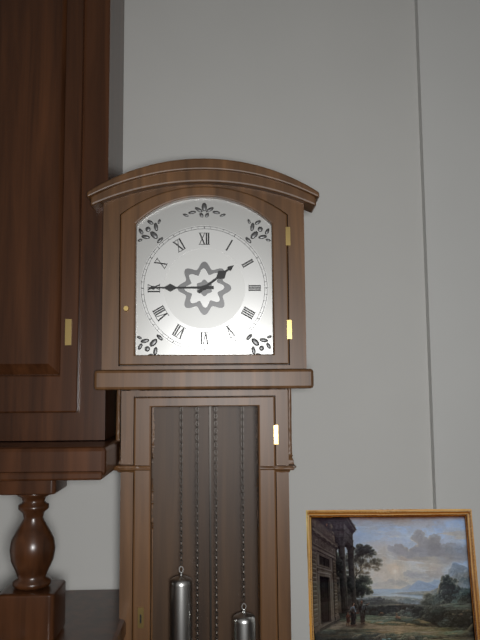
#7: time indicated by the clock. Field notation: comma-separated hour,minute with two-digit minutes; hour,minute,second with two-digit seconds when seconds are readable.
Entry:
1,45
